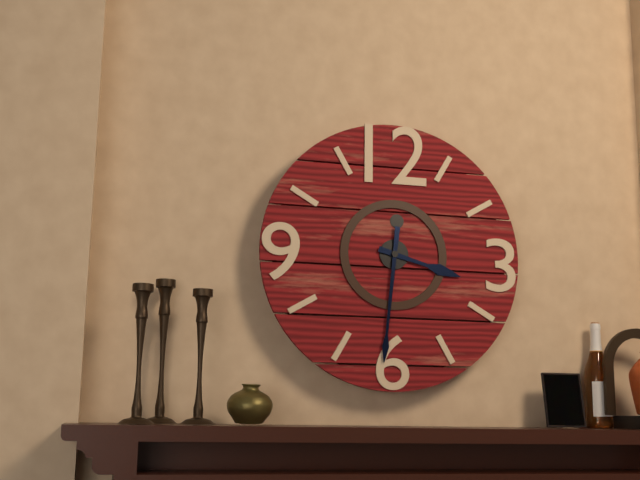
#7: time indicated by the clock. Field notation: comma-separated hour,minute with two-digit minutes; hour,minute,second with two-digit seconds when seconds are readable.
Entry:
3,31
